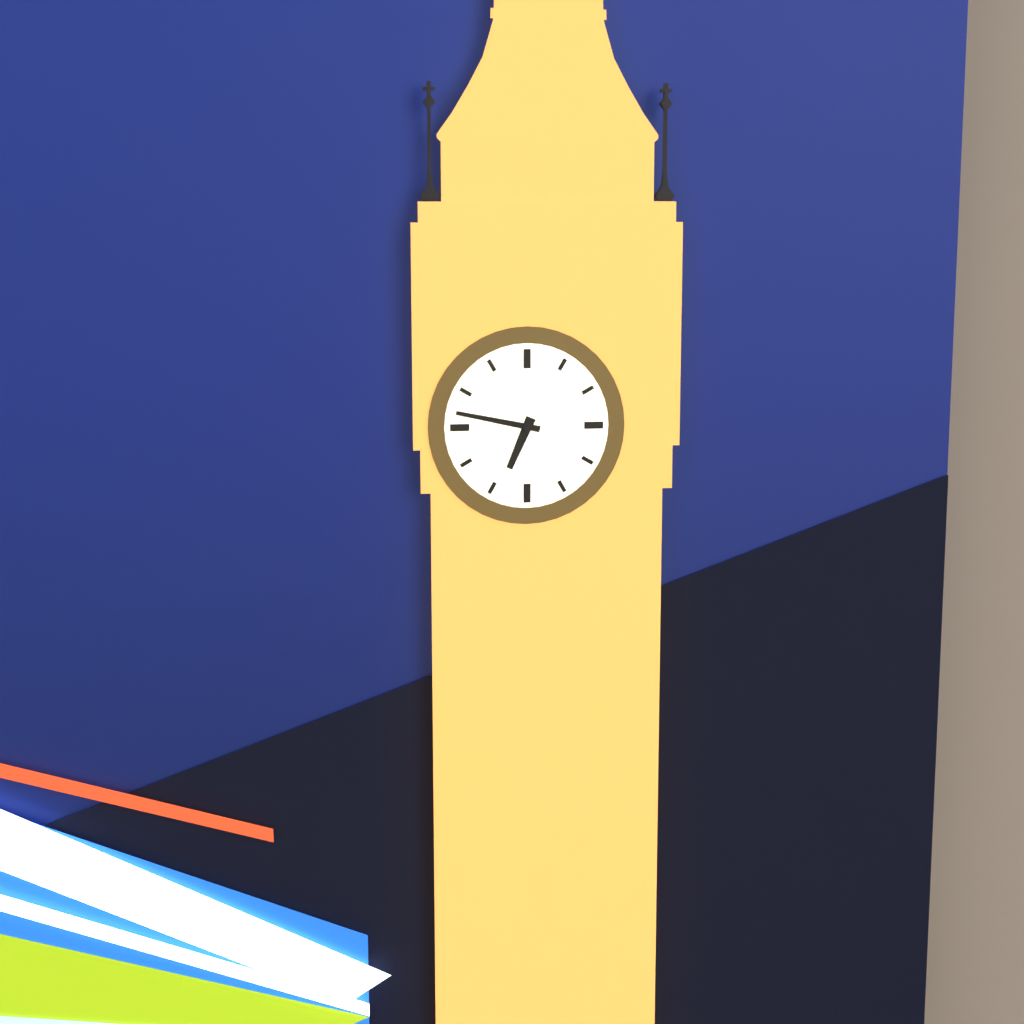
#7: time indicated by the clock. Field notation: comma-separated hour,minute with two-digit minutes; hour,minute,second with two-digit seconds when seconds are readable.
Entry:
6,47
